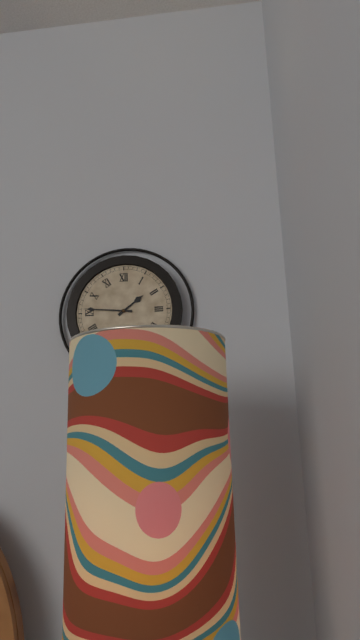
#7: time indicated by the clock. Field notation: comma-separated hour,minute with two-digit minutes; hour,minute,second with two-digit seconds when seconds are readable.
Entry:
1,46
